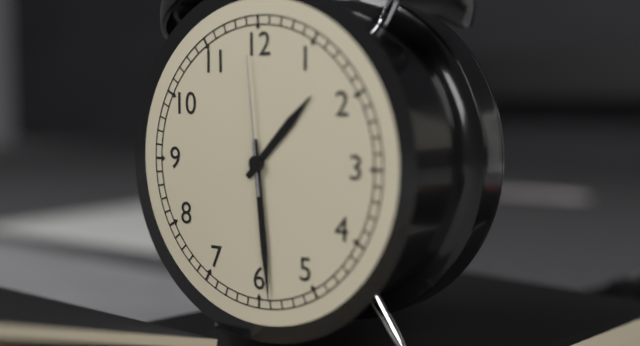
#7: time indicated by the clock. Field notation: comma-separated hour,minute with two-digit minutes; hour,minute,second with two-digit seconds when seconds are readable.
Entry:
1,29,59
